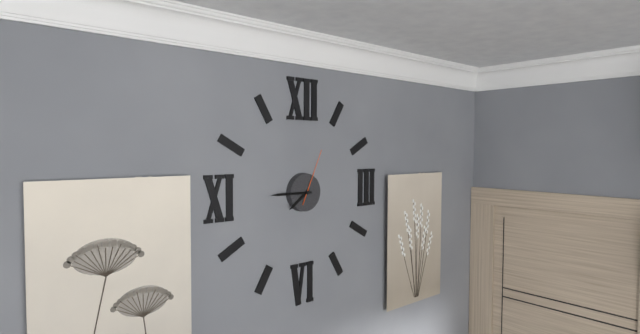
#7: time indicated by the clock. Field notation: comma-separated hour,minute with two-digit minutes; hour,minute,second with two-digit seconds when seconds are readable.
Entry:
7,45,04
